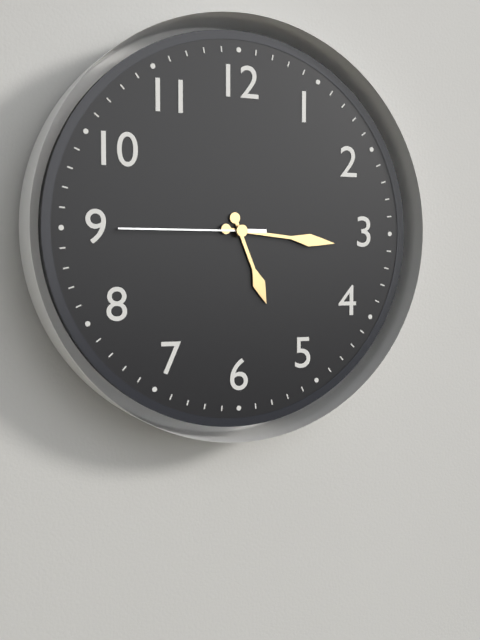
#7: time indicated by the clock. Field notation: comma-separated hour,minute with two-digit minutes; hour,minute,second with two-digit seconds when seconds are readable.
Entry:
5,16,45
